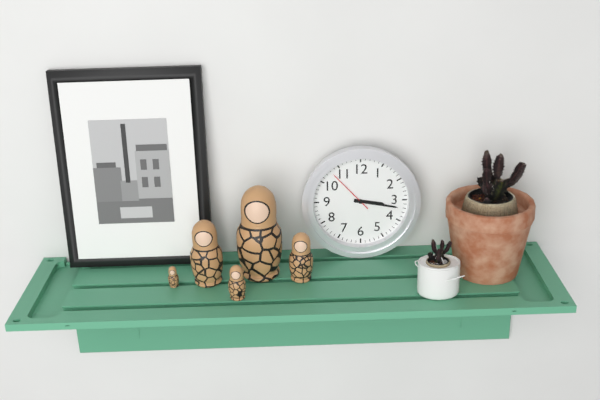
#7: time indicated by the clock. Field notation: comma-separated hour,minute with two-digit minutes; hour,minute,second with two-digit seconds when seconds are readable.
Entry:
3,17
